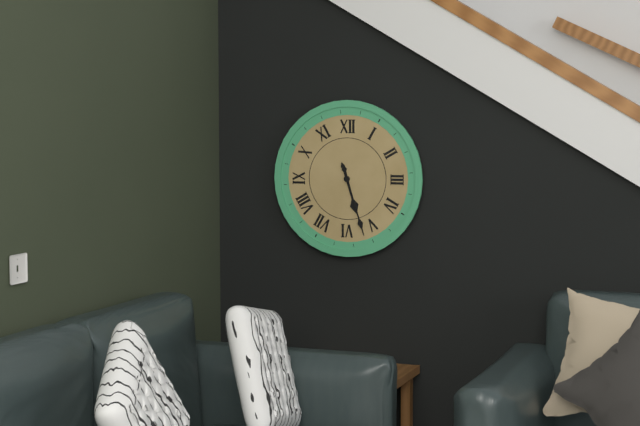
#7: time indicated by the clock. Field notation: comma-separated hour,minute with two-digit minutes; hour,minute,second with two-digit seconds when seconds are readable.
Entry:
5,27
